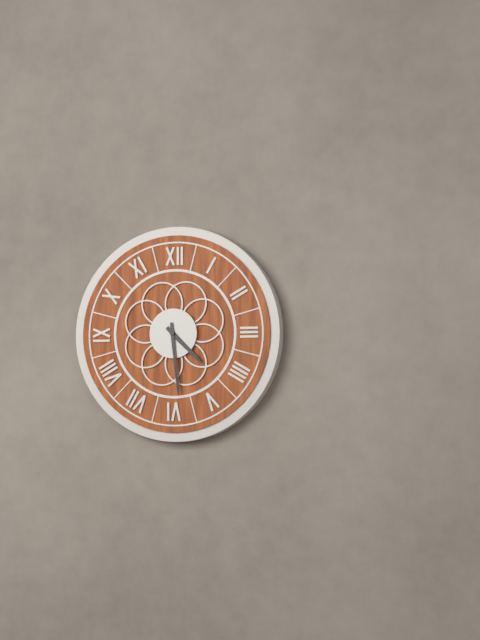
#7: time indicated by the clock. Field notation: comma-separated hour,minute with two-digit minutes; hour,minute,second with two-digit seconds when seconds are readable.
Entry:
4,29
